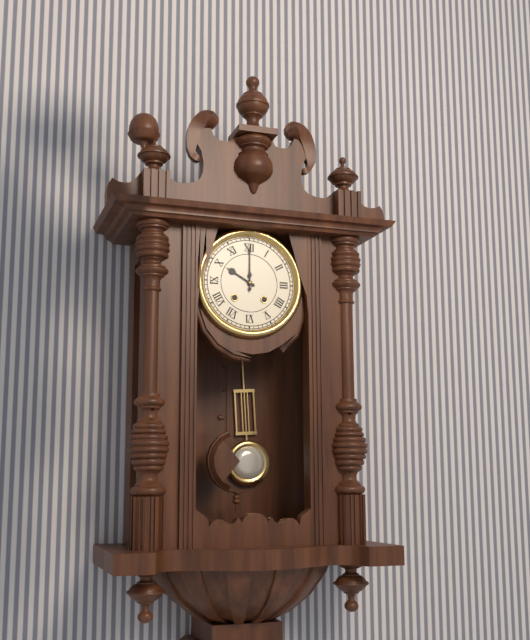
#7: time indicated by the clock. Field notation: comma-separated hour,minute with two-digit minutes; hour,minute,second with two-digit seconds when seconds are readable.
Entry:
10,00
